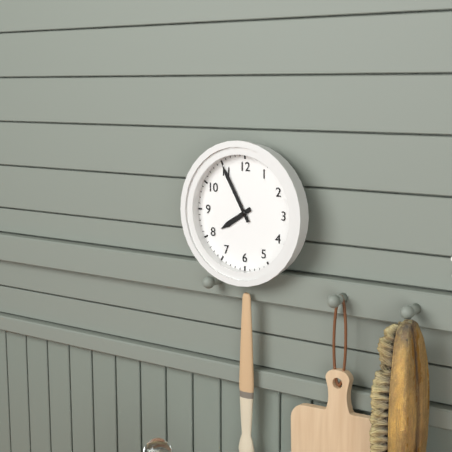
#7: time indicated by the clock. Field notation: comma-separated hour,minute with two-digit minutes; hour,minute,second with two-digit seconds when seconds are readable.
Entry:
7,55
